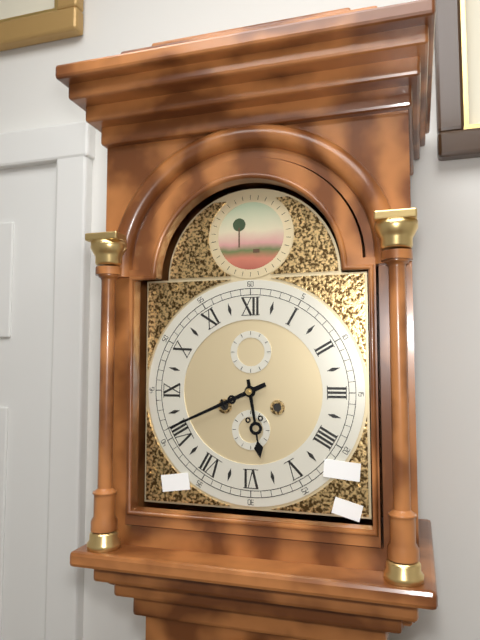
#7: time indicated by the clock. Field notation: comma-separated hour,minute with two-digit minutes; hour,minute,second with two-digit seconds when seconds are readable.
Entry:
5,41
